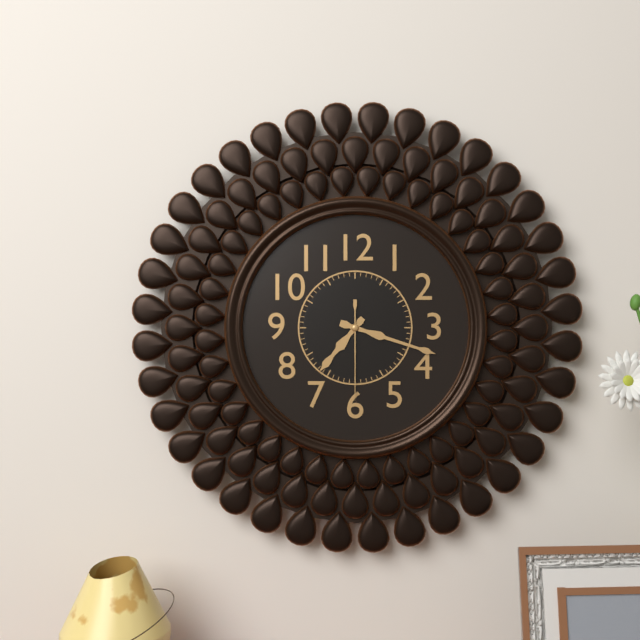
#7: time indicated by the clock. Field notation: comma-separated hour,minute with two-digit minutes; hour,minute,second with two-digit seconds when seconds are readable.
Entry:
7,18,30
